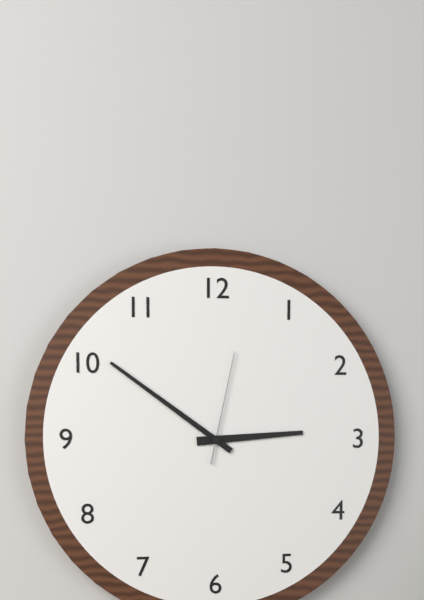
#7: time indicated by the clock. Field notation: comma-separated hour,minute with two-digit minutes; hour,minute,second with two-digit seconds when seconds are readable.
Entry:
2,51,02
